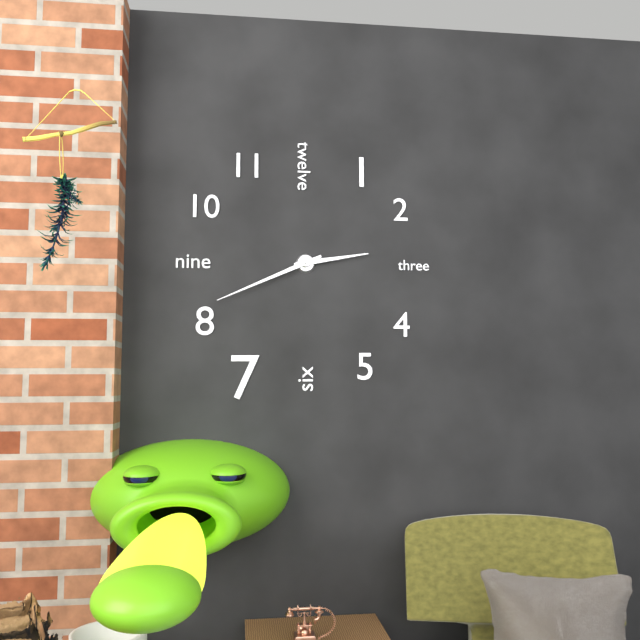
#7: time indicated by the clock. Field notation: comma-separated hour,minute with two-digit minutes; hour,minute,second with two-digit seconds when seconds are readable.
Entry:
2,41
